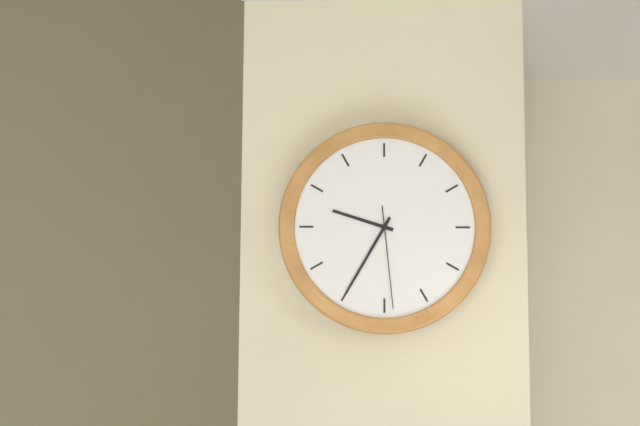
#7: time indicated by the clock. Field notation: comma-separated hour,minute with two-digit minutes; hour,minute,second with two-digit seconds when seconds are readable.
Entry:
9,35,29
